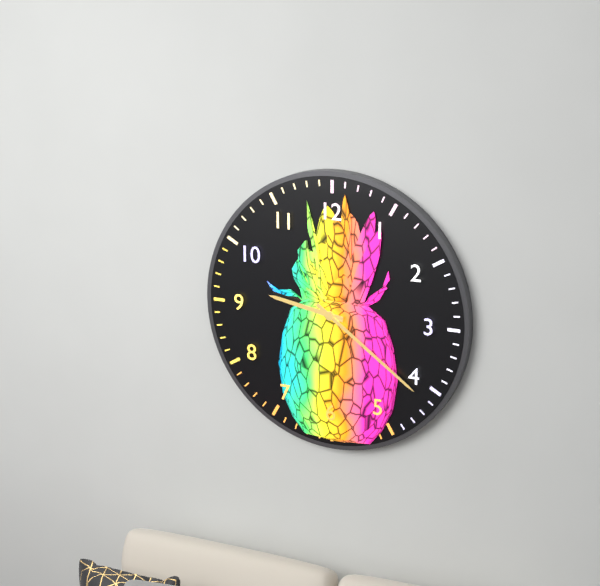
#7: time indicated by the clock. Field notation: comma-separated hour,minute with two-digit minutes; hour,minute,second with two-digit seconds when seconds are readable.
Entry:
9,21
